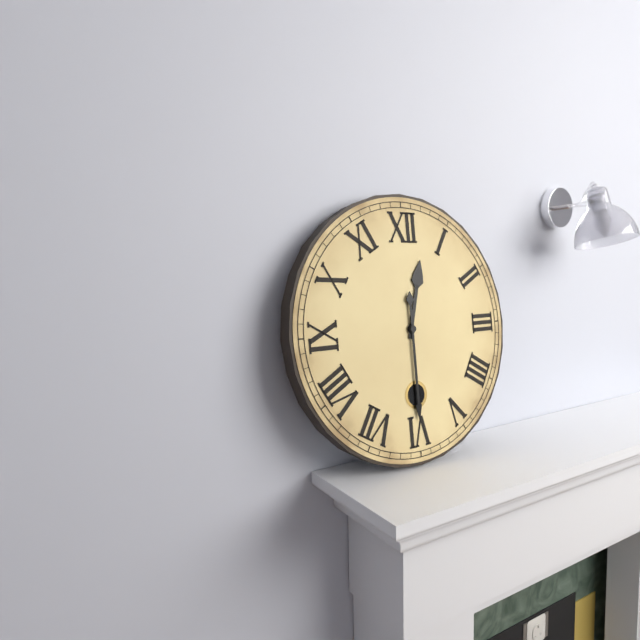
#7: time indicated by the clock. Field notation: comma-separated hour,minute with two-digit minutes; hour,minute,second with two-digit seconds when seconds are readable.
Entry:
12,30
